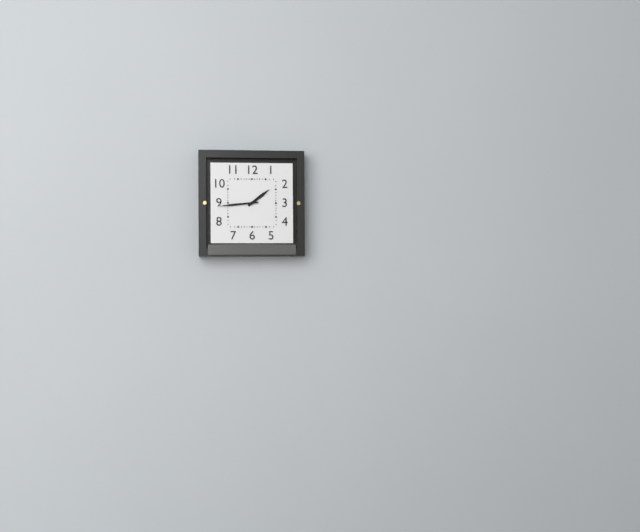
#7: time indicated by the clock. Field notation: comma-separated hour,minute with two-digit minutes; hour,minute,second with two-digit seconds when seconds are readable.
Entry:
1,44
